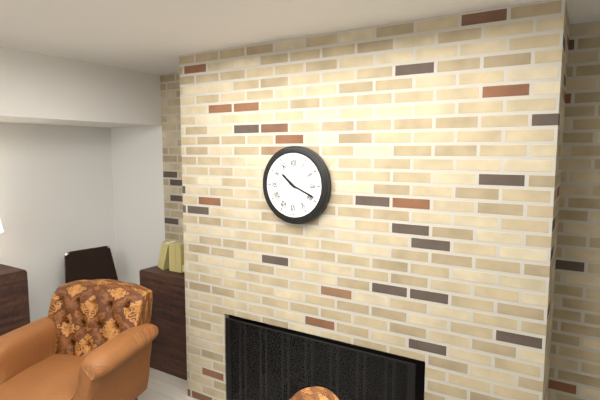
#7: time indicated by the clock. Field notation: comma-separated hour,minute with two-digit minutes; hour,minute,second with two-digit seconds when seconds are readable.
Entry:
10,19
